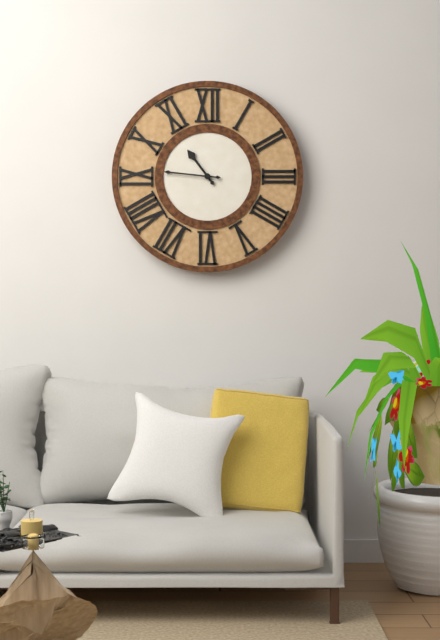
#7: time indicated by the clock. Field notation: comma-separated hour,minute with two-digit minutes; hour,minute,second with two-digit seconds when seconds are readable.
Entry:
10,46
